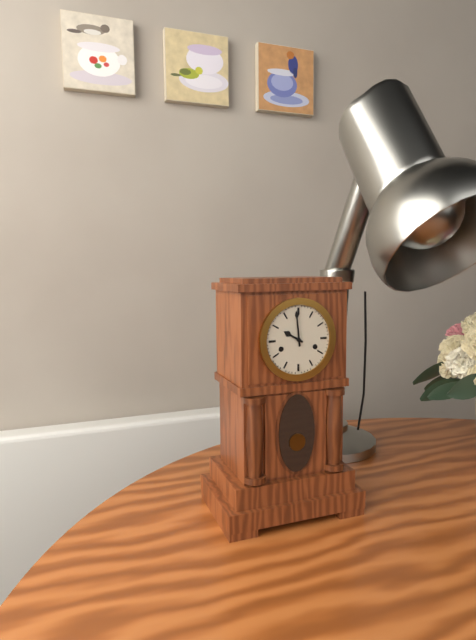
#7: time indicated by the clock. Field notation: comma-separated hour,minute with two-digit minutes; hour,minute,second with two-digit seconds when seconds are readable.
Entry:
9,59
